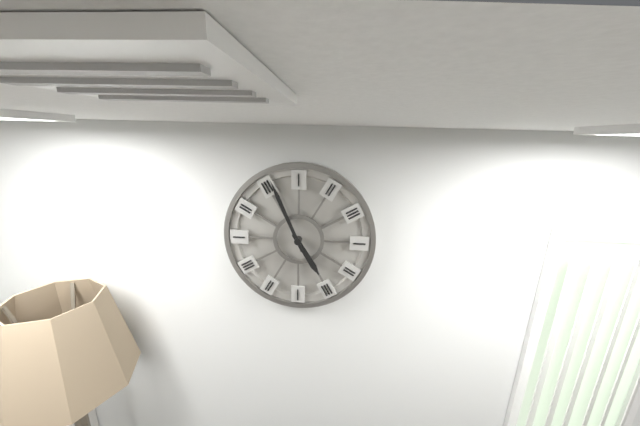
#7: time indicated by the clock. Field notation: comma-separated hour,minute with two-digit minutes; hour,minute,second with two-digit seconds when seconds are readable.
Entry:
4,56
